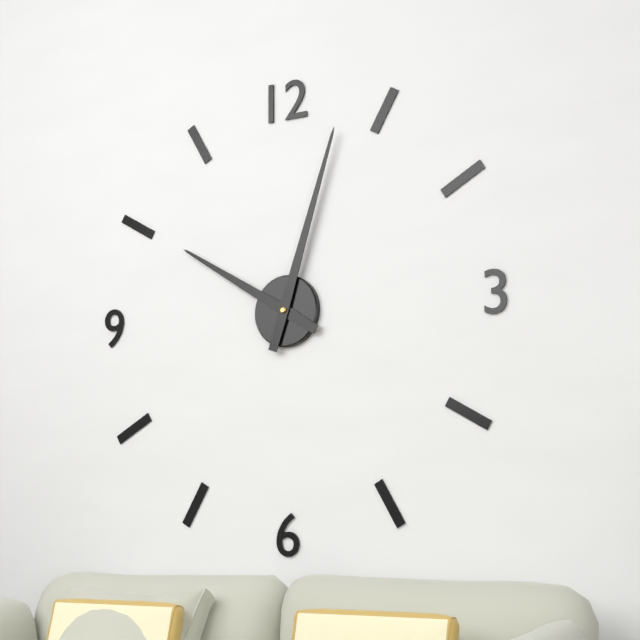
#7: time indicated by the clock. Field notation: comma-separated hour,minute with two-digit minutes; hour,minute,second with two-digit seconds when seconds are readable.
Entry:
10,03
